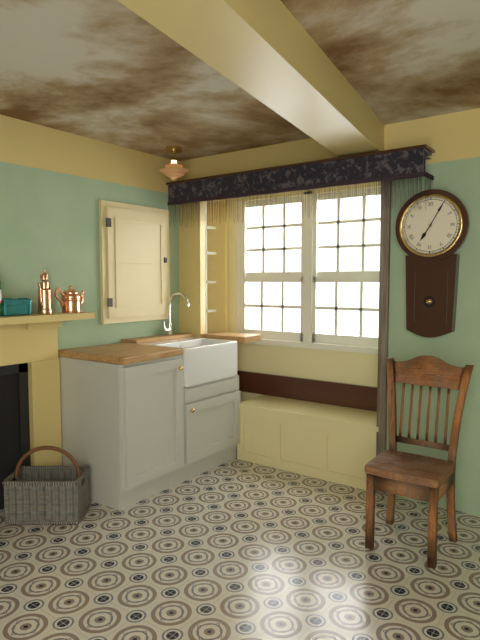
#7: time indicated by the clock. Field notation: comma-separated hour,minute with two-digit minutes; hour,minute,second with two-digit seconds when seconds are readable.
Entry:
7,05
